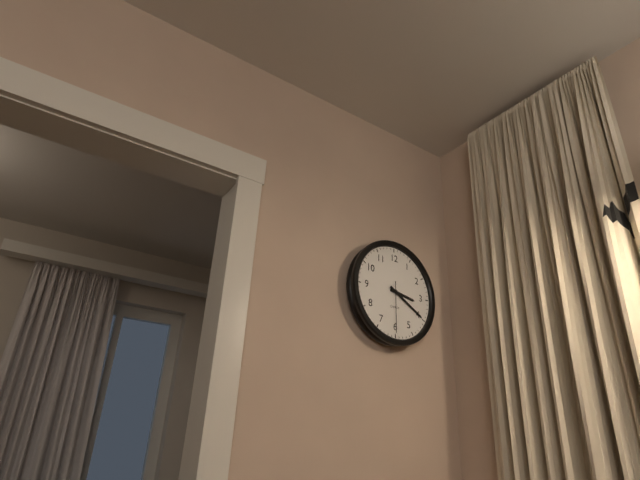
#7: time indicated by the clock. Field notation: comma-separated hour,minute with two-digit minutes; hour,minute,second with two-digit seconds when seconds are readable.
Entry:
3,20,30
